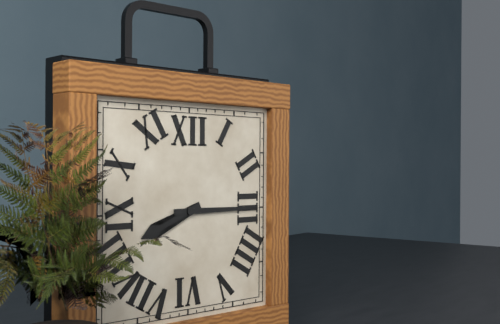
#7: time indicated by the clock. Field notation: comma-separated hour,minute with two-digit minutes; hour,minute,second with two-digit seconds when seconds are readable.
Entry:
8,15
